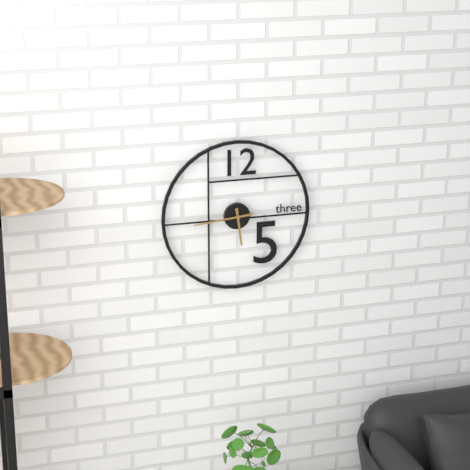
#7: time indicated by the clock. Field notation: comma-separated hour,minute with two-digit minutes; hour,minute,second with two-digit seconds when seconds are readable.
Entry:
5,44
